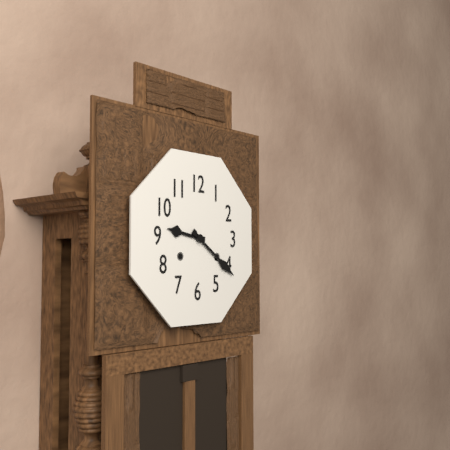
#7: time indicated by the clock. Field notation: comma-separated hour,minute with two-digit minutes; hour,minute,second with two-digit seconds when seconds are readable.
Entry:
9,21
